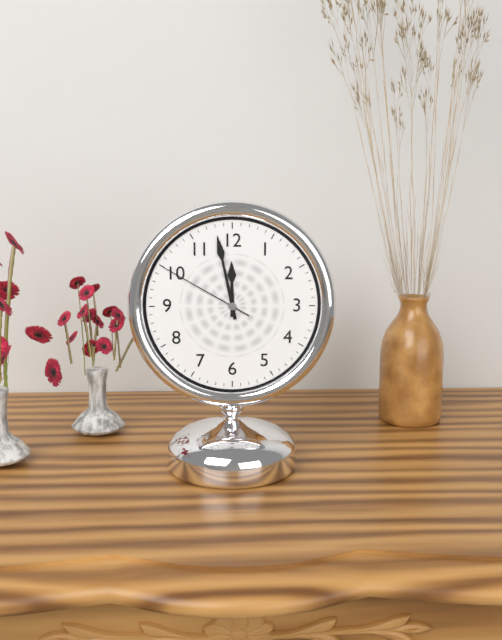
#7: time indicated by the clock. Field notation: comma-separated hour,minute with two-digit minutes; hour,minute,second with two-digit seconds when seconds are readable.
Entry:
11,58,50
